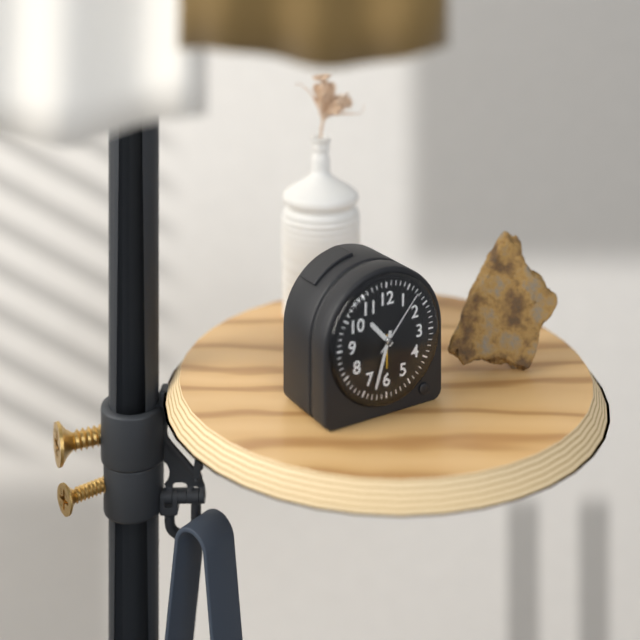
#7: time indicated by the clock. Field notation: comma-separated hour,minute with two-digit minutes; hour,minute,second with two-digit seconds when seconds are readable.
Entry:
10,33,07
